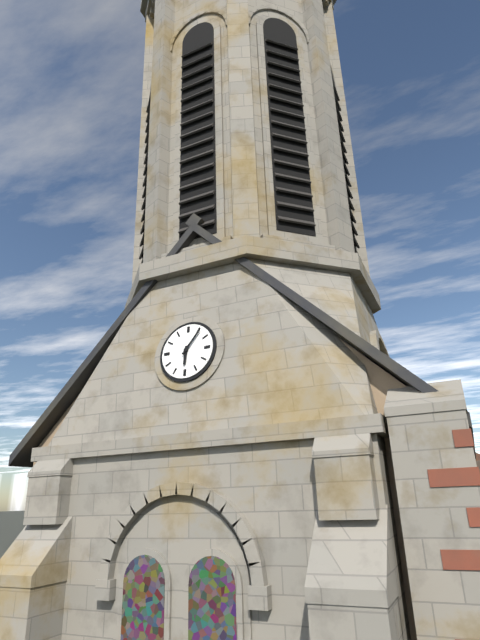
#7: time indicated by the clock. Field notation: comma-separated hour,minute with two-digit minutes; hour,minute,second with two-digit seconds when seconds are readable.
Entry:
6,06
